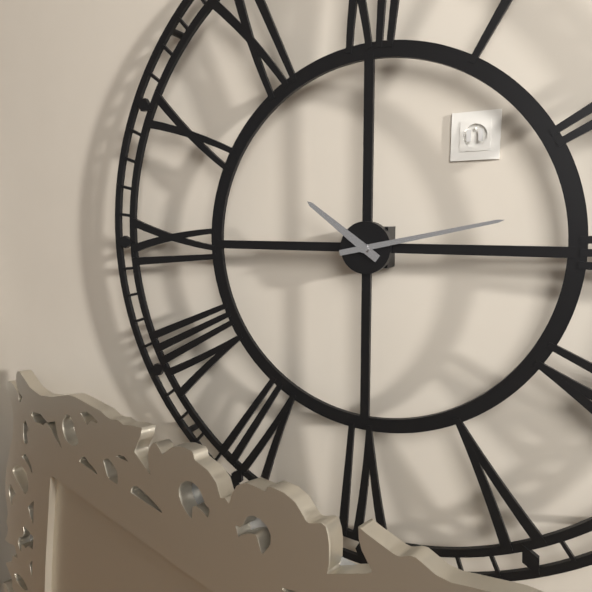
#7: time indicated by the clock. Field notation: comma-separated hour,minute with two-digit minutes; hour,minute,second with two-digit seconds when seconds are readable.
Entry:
10,13
